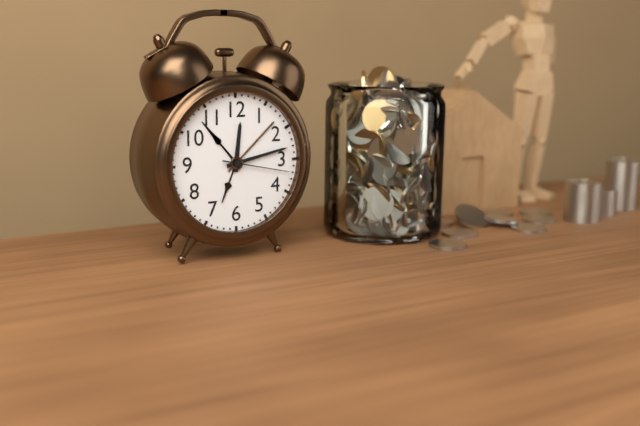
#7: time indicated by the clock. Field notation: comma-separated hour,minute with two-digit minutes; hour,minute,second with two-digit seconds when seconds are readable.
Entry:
12,13,17
